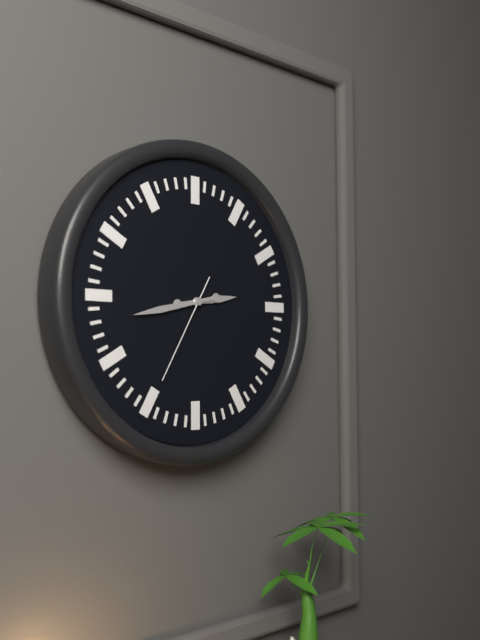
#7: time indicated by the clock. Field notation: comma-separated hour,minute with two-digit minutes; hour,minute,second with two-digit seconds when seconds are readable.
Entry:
2,43,35
